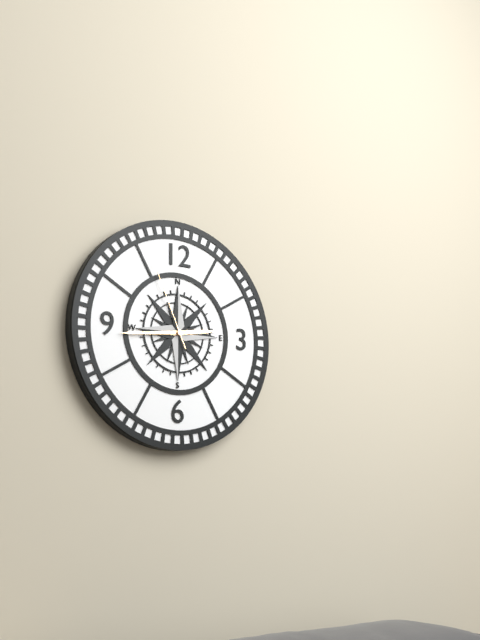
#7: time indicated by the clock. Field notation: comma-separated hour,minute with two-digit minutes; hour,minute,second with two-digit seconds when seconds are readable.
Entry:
2,44,56
